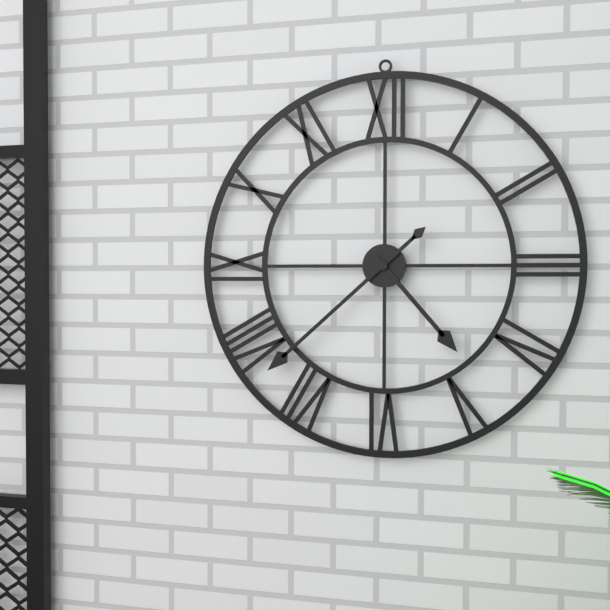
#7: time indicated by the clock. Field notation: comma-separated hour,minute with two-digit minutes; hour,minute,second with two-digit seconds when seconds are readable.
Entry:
4,38
